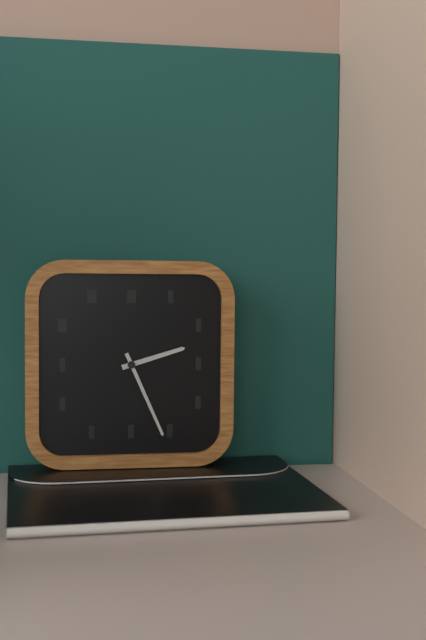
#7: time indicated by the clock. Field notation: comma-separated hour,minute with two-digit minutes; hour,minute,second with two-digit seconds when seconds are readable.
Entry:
2,26
